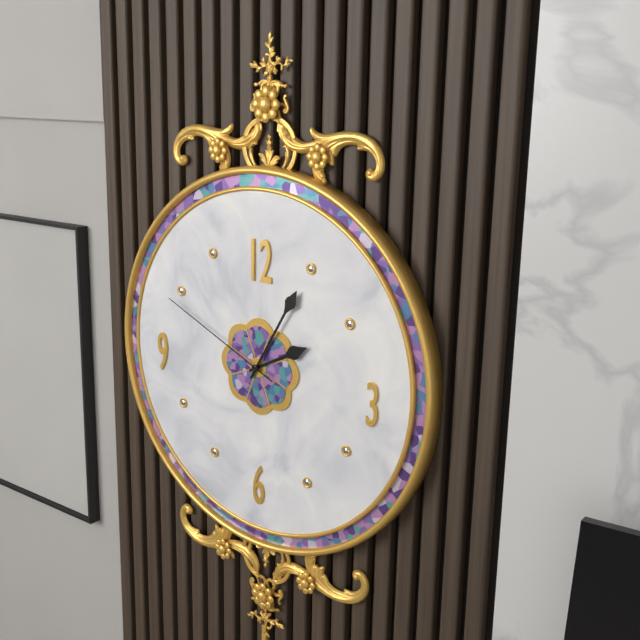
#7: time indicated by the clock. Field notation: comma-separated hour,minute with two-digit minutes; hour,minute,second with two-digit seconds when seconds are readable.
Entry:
2,05,49
